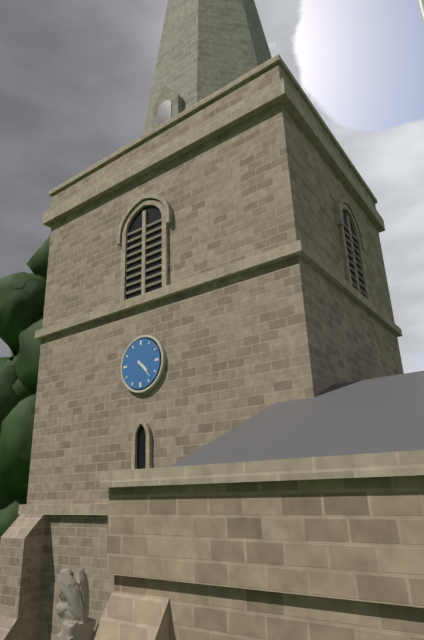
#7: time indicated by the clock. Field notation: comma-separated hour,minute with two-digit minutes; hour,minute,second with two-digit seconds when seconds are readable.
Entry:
4,23
